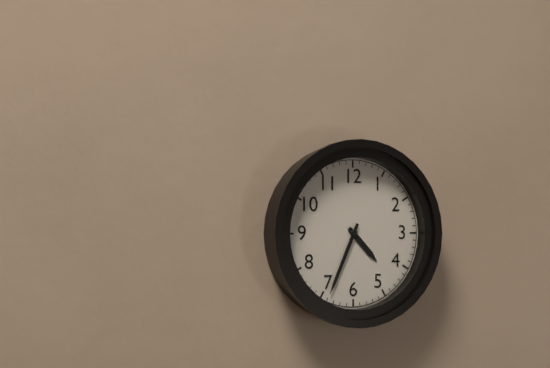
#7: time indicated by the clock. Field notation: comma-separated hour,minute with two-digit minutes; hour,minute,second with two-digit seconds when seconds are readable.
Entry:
4,34
